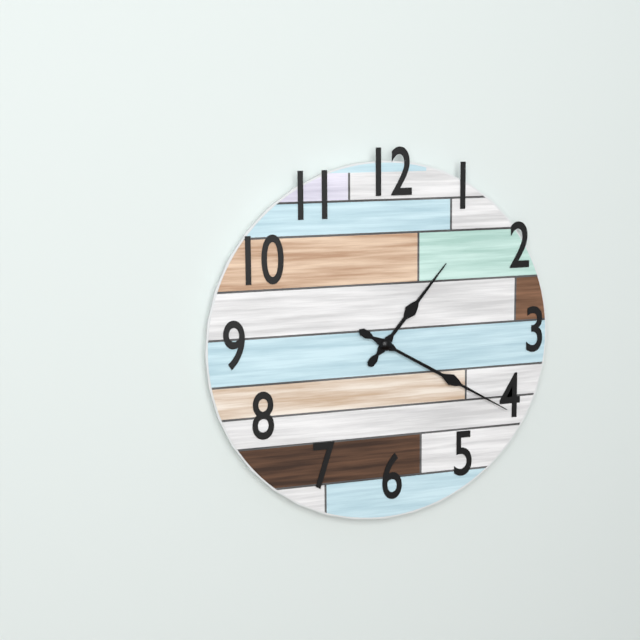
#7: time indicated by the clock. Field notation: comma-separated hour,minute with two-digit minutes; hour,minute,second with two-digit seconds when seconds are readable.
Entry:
1,20
